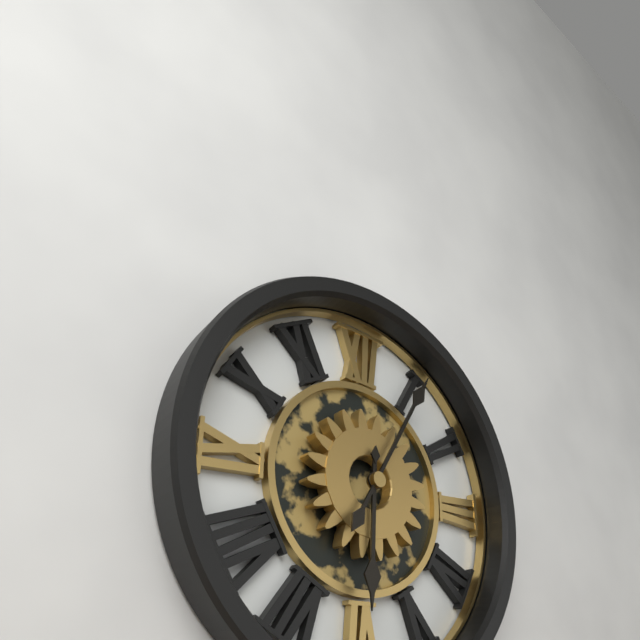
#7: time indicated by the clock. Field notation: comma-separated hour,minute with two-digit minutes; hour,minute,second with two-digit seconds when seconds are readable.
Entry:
6,05
